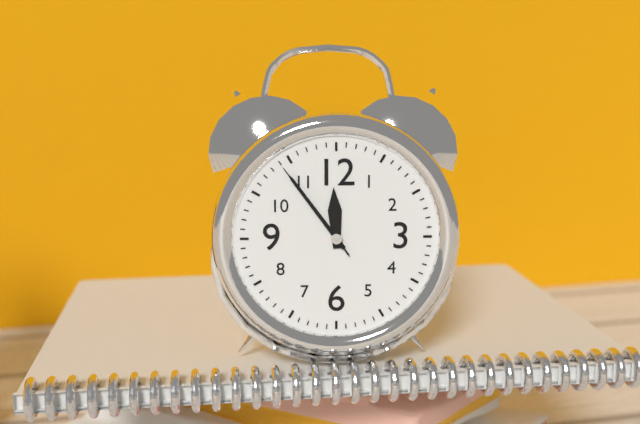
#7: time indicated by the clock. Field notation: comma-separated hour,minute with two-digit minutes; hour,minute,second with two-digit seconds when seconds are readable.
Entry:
11,54,54
